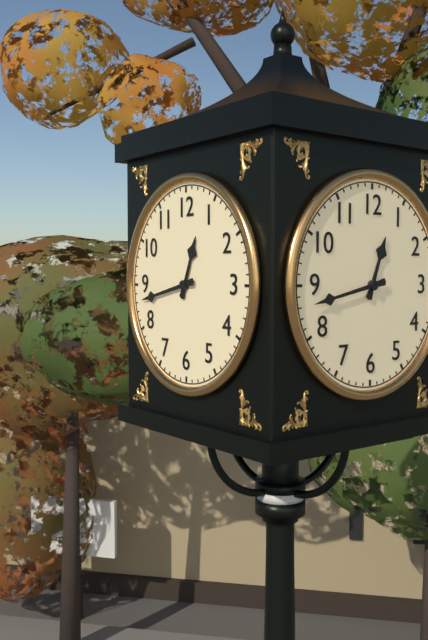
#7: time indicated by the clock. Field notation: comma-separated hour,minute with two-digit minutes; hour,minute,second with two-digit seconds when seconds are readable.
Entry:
12,43
